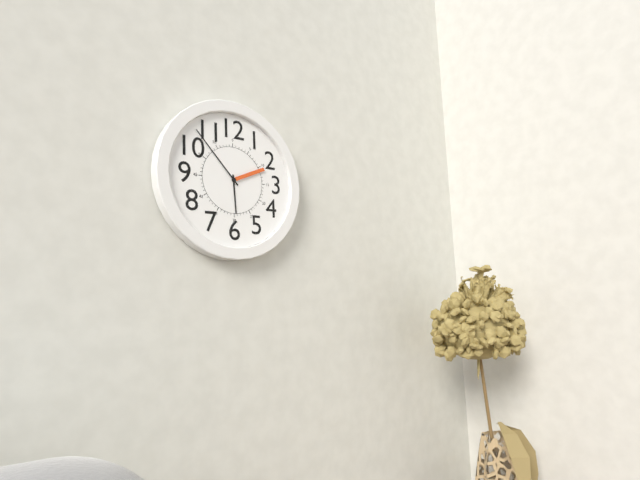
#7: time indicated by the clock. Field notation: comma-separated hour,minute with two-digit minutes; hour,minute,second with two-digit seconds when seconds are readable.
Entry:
5,53
